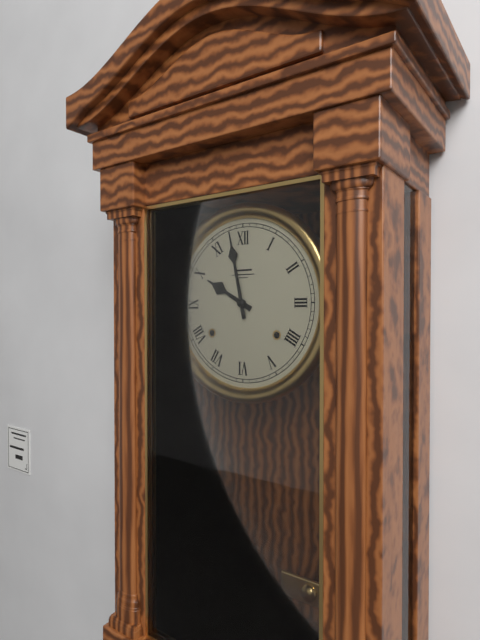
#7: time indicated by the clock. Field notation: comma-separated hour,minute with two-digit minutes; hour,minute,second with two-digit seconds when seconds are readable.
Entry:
9,58
